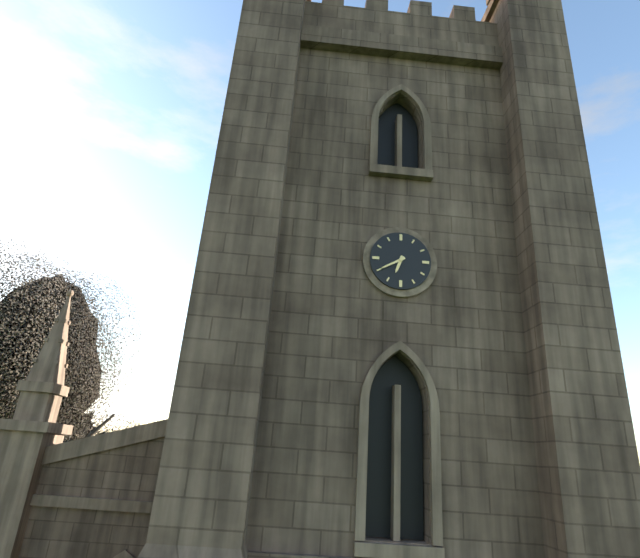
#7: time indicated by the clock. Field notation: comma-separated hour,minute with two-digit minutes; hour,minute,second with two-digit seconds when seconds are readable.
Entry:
6,40
